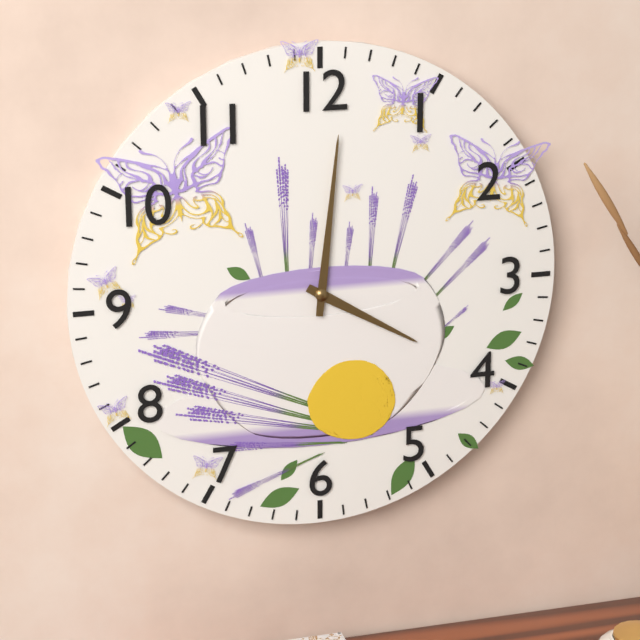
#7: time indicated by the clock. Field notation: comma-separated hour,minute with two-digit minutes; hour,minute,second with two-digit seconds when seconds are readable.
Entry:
4,01
